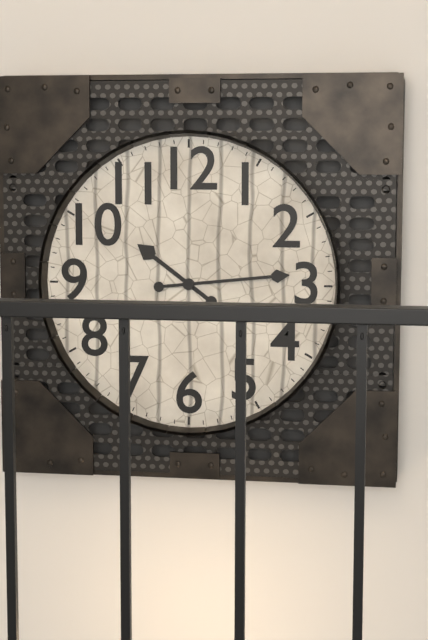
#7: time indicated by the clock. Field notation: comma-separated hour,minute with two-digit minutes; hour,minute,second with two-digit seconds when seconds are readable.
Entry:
10,14
